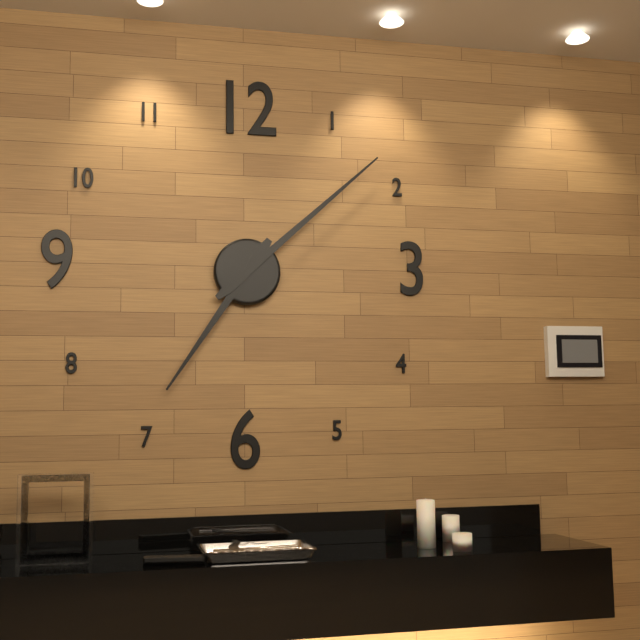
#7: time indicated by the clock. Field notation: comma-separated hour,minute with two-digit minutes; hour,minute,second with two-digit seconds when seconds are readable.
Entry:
7,08
